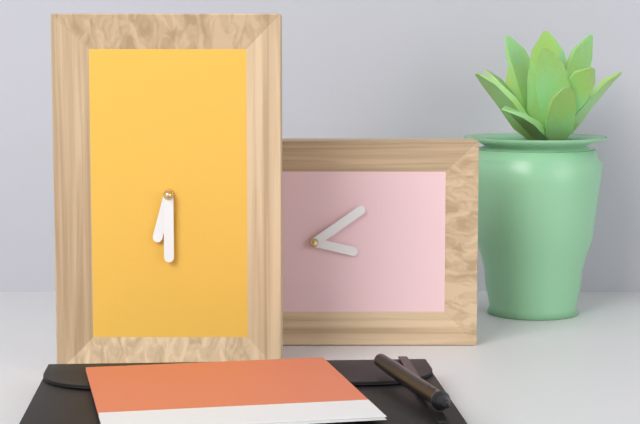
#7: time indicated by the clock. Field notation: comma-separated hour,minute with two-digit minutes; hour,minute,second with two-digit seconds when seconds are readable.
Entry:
6,30
